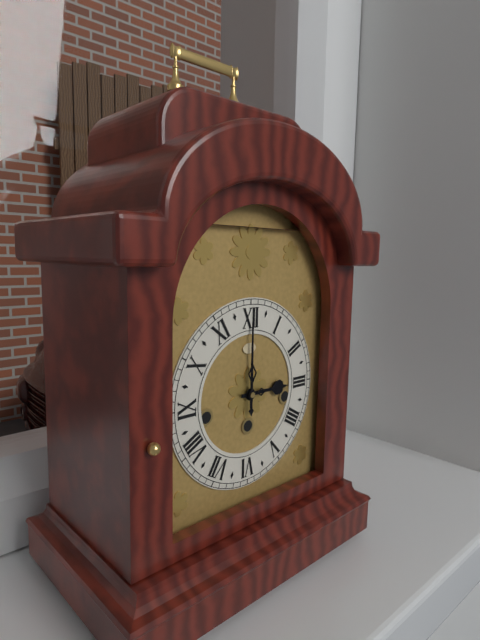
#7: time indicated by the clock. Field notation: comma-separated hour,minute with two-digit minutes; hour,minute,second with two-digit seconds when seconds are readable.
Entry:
3,00
